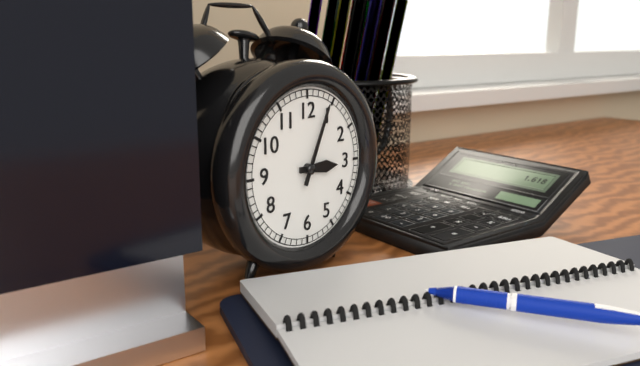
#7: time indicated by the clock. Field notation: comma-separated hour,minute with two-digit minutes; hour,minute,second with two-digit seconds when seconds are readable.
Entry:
3,04
